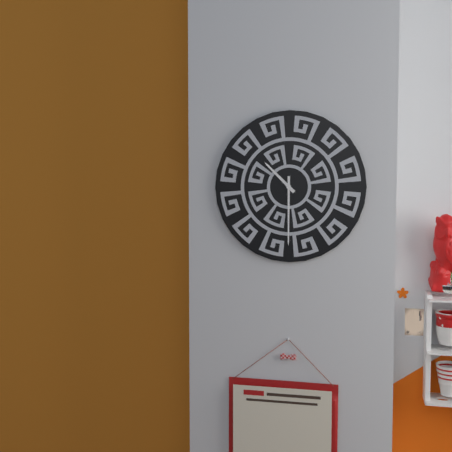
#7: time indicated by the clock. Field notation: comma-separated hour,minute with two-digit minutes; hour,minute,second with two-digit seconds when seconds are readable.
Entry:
10,30
